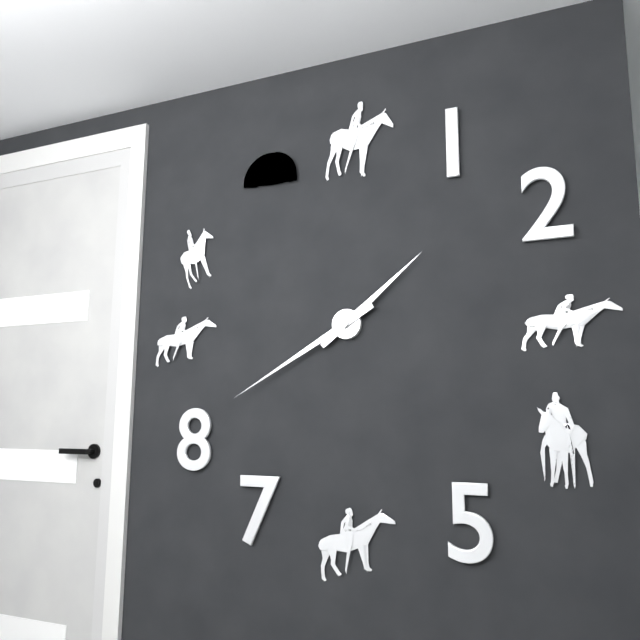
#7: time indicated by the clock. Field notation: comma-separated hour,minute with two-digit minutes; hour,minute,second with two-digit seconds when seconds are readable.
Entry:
1,40
